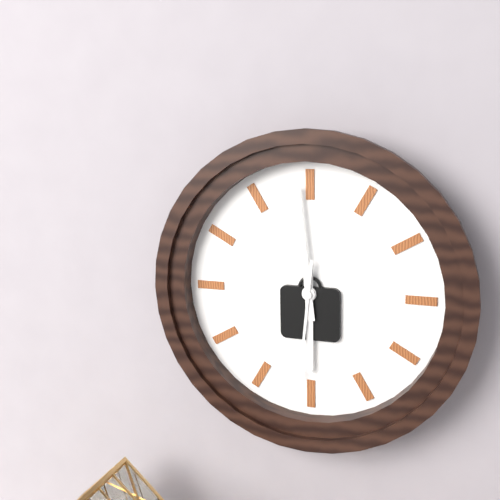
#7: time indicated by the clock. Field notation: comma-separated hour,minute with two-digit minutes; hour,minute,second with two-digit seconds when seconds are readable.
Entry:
5,59,31
